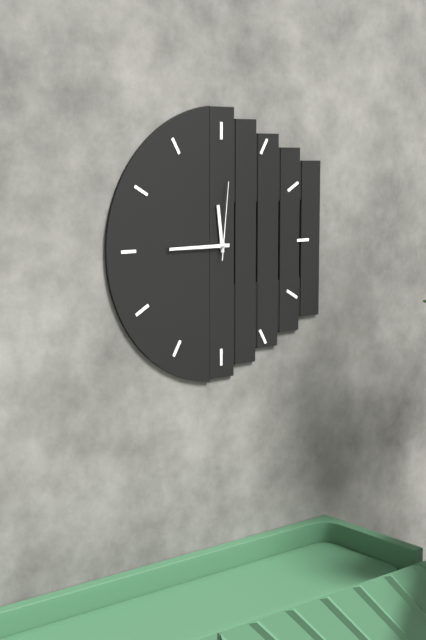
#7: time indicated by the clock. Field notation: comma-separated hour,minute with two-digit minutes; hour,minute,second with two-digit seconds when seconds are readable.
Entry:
11,45,01
